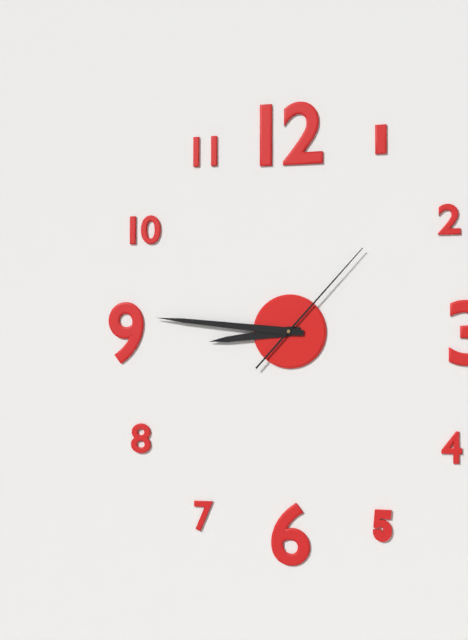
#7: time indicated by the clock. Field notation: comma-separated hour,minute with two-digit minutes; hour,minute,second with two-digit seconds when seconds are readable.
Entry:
8,46,07
